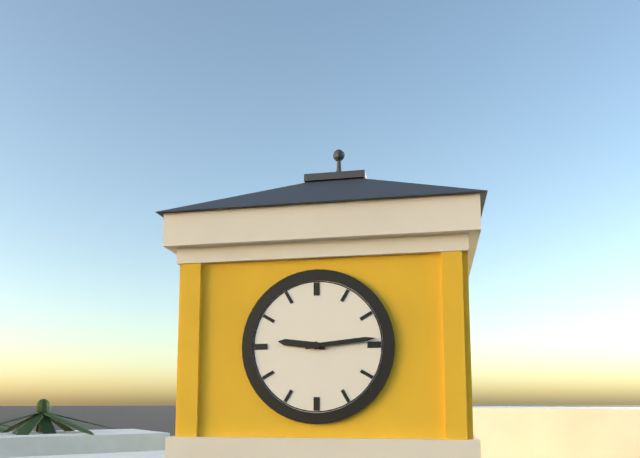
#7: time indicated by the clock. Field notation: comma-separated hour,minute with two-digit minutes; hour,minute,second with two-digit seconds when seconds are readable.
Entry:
9,14
